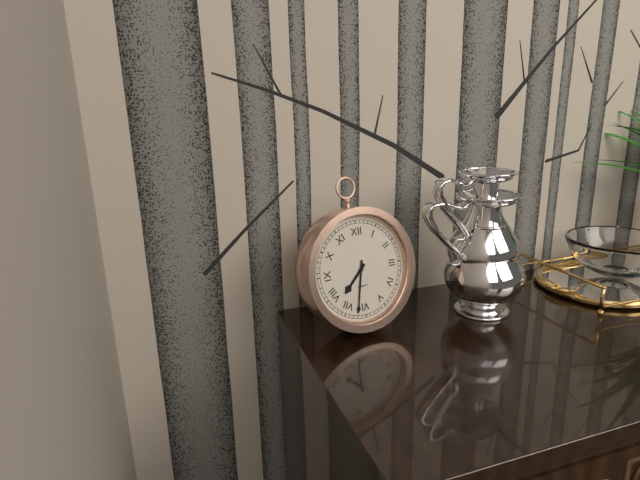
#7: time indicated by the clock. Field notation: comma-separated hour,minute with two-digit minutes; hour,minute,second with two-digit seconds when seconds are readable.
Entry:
7,32
